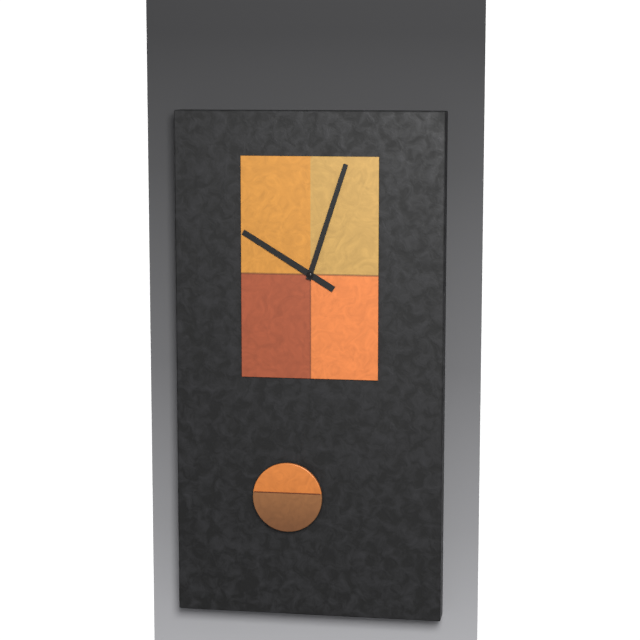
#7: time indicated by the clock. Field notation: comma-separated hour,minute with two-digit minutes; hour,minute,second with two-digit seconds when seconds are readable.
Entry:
10,03
